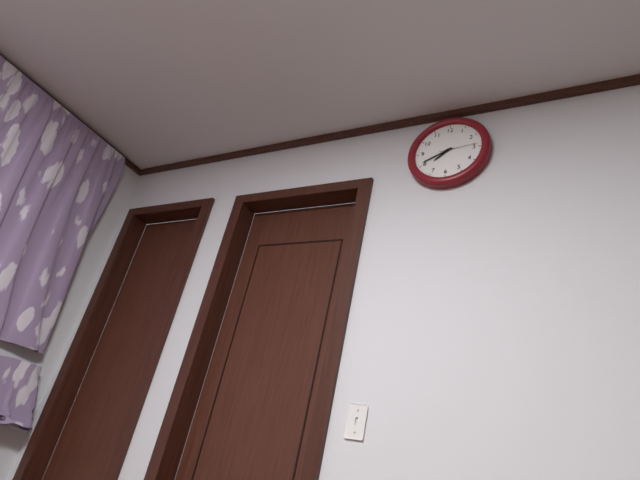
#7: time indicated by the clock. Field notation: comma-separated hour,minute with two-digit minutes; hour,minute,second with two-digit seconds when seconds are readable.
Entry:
7,41
